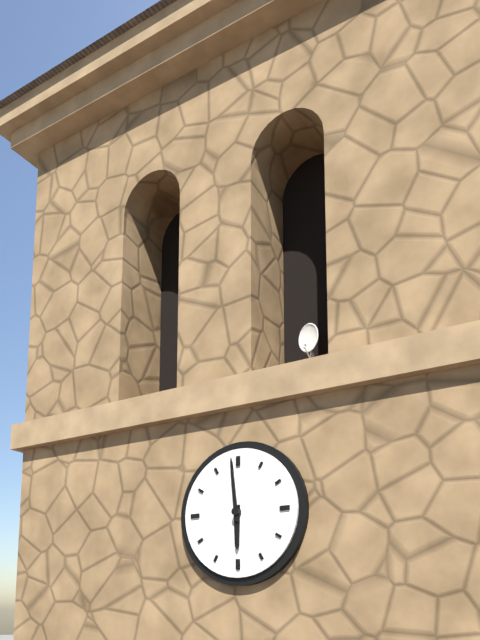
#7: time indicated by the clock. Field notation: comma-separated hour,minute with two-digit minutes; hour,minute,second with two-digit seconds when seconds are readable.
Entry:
5,59
